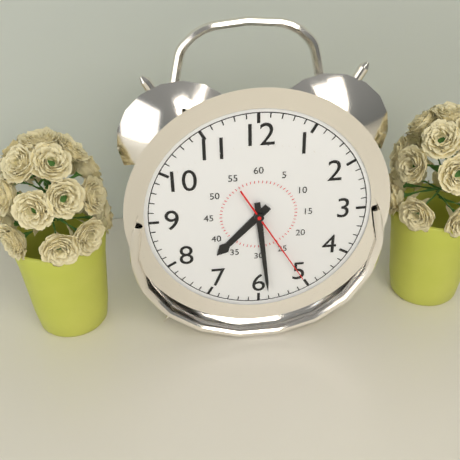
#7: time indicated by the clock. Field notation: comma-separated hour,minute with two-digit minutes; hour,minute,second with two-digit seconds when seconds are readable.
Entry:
7,29,25
